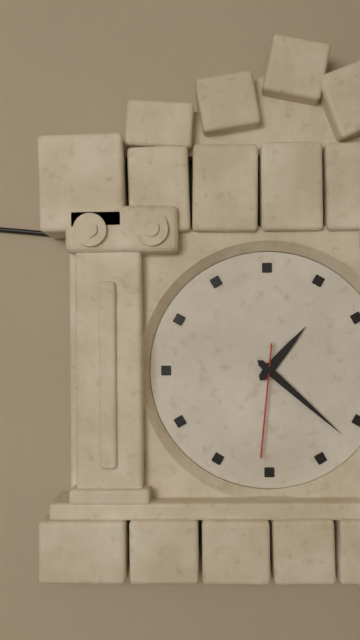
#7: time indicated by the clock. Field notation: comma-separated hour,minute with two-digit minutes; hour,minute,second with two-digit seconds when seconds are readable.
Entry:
1,22,31
